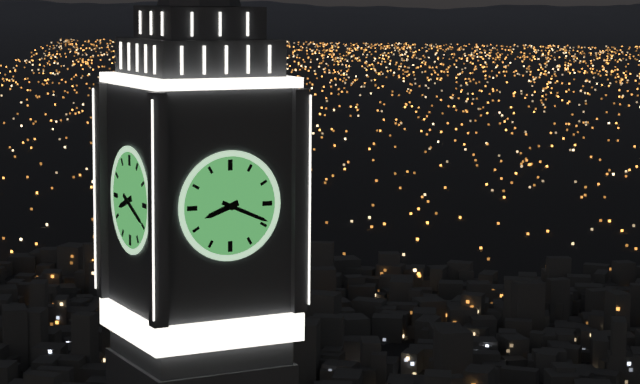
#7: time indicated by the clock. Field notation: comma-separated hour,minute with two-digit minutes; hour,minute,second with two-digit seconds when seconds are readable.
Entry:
8,19
